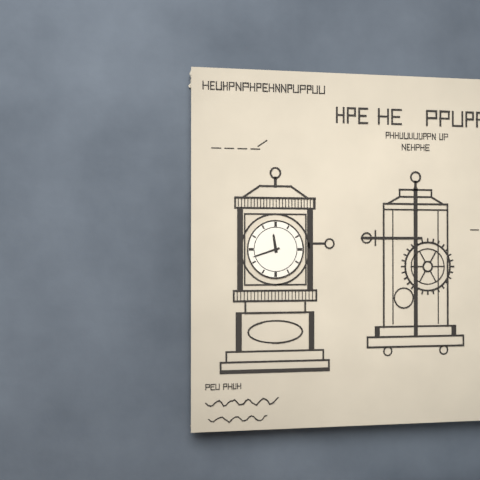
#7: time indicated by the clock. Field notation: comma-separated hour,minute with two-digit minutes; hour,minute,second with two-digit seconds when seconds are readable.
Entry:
11,42
